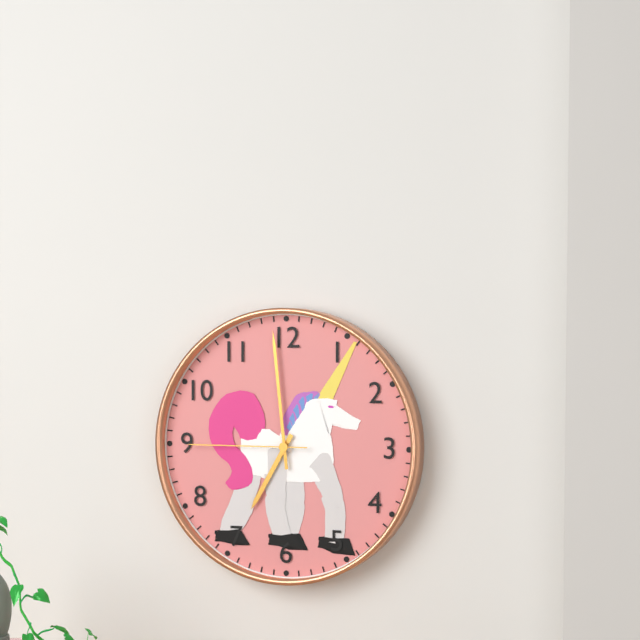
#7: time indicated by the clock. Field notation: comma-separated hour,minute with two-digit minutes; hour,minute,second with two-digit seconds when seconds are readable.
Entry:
6,59,45
